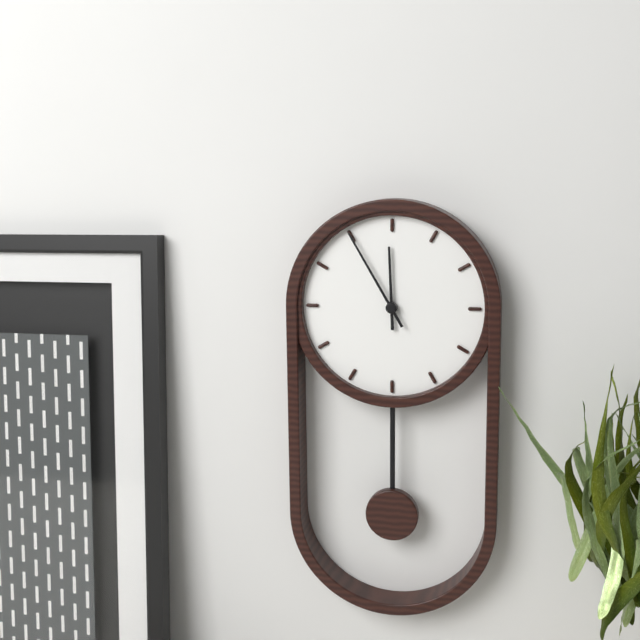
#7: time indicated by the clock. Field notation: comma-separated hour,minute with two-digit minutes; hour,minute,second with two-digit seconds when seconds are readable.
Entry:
11,55
